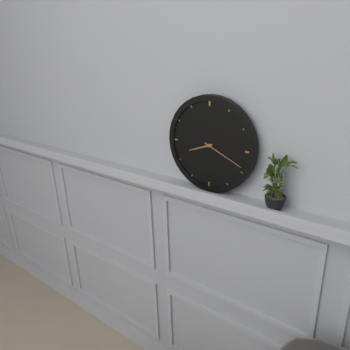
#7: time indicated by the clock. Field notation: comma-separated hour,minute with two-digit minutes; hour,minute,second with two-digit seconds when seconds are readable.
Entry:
8,19
